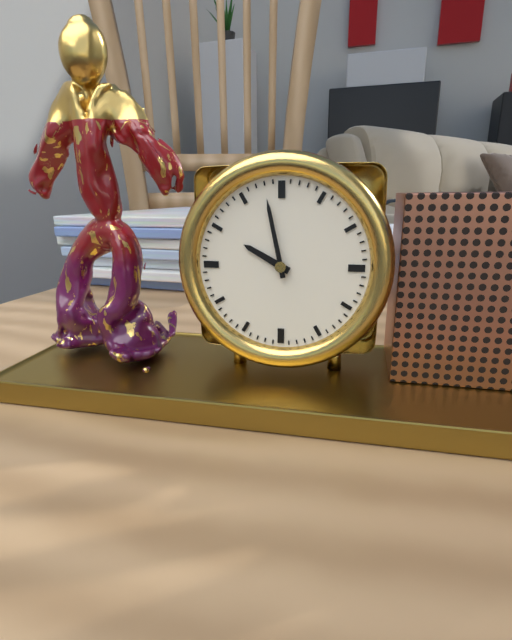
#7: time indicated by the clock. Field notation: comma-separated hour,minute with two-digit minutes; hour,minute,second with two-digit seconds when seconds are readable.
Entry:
9,58
